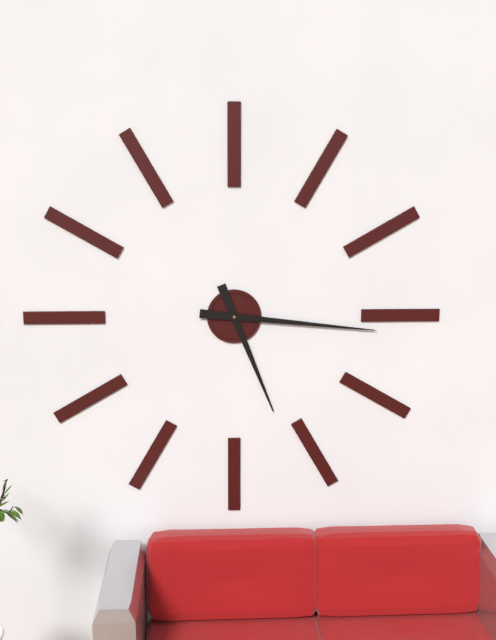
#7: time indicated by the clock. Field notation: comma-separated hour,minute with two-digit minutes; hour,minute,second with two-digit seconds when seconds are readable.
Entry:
5,16
